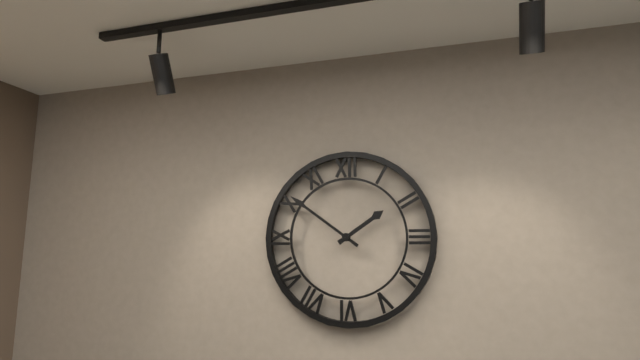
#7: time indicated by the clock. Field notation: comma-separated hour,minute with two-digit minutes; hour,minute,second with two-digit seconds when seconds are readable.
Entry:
1,51
